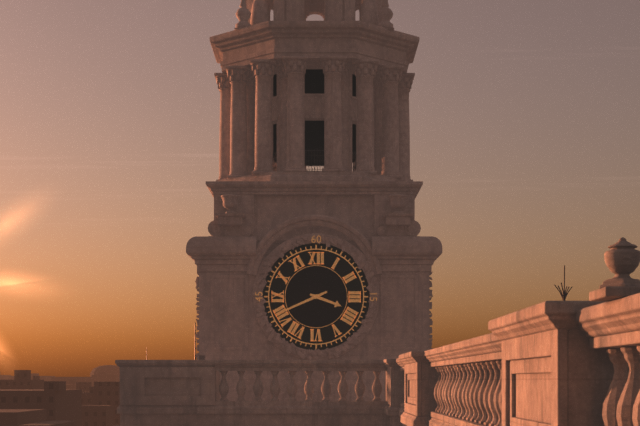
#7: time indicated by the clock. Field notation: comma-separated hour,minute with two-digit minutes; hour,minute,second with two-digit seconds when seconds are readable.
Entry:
3,41
